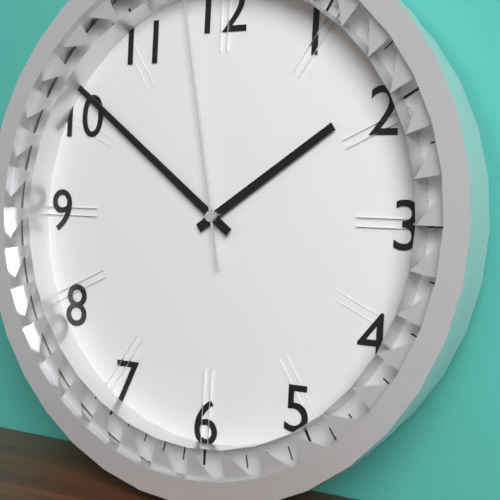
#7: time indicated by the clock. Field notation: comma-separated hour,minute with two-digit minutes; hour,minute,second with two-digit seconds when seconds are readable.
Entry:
1,51,58
